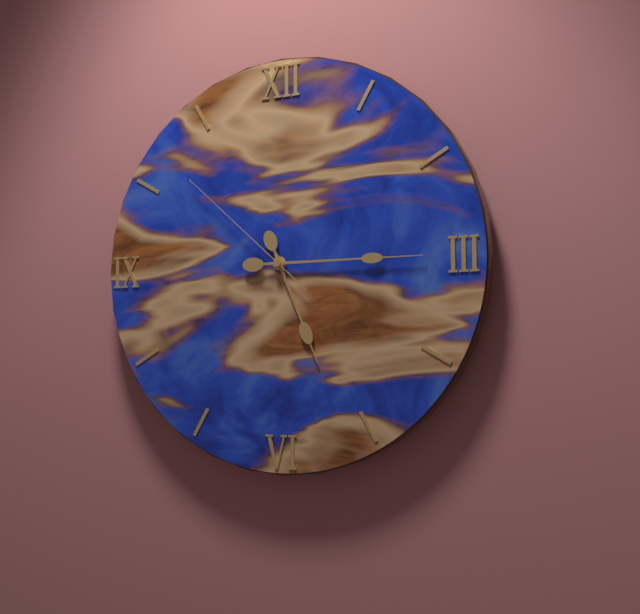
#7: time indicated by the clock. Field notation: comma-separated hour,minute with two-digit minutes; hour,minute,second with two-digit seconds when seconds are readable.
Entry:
5,15,52
